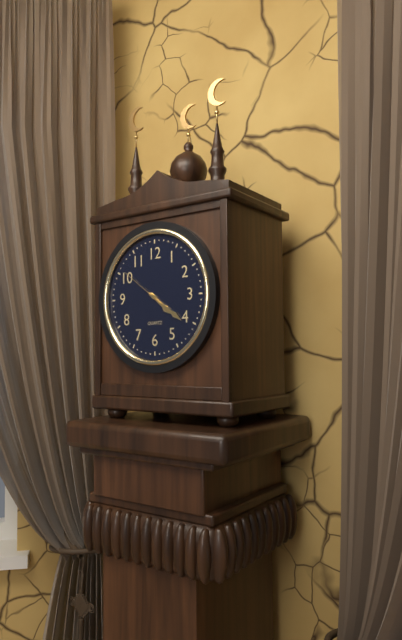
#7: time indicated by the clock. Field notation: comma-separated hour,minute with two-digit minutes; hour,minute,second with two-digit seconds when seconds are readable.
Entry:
4,21
